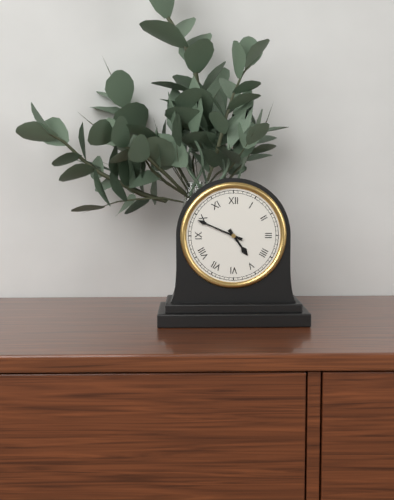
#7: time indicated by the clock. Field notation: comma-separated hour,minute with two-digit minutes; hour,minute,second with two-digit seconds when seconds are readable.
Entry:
4,49
